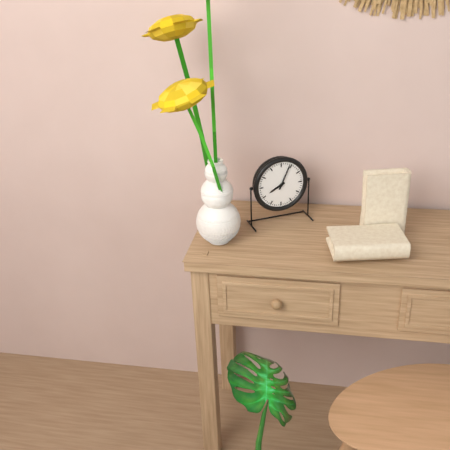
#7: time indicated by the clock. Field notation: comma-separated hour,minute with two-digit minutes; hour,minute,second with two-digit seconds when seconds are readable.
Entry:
8,04
